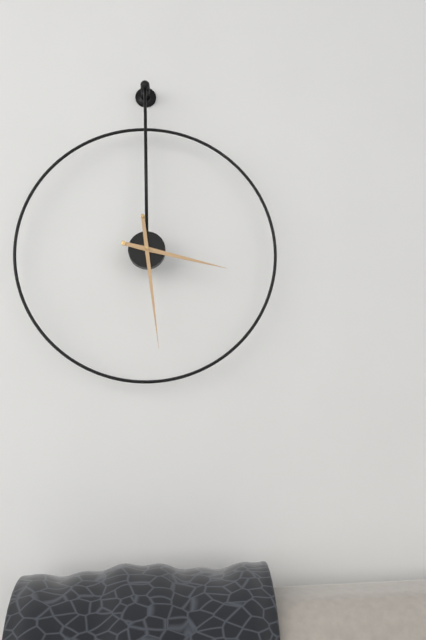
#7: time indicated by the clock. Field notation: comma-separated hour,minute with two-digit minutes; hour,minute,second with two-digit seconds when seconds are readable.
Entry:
3,29
